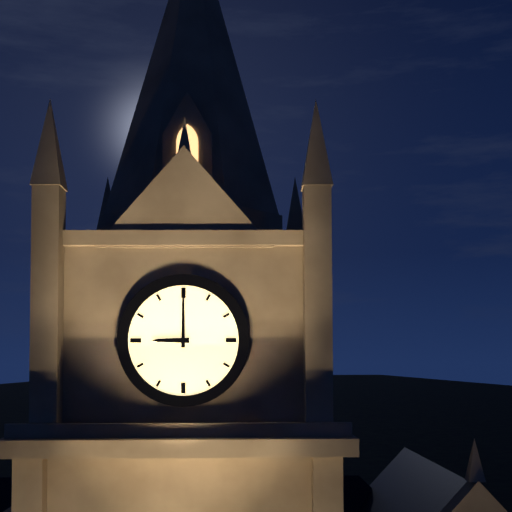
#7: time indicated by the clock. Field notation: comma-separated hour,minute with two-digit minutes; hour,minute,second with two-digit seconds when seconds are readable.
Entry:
9,00
